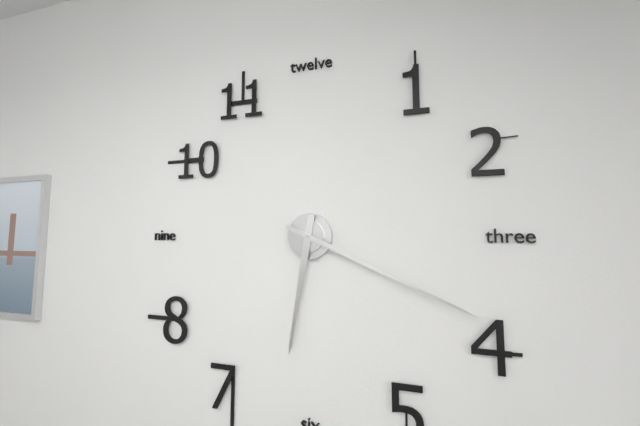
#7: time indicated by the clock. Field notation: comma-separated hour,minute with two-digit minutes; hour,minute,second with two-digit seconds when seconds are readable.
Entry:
6,19
